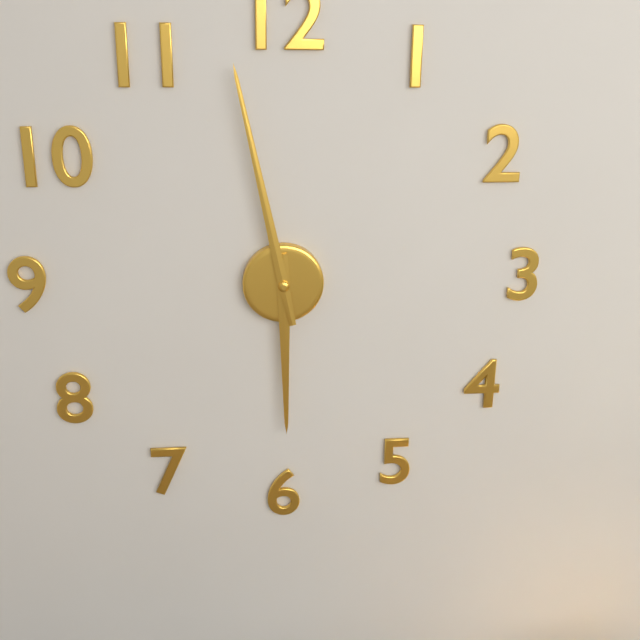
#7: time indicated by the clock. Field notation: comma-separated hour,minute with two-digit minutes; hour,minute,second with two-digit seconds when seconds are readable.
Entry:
5,58
